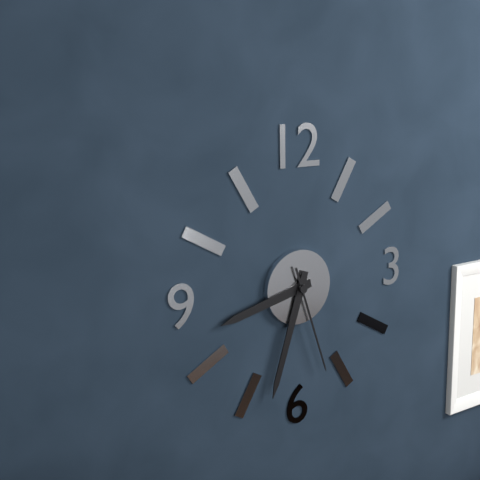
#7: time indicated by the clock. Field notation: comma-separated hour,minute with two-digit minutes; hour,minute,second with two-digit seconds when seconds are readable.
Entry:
8,33,27
